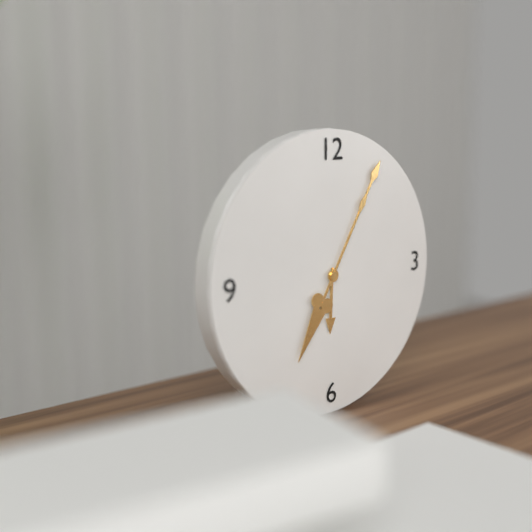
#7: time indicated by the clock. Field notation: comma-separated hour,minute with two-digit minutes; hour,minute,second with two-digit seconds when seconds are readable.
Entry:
6,05
